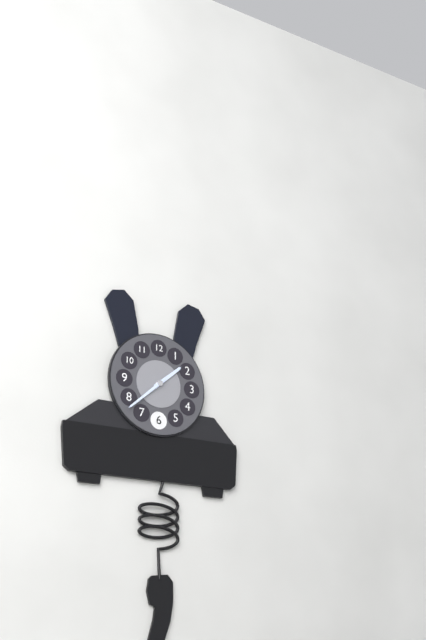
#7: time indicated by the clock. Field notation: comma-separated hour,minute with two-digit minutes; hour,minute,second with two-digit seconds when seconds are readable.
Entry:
1,38
